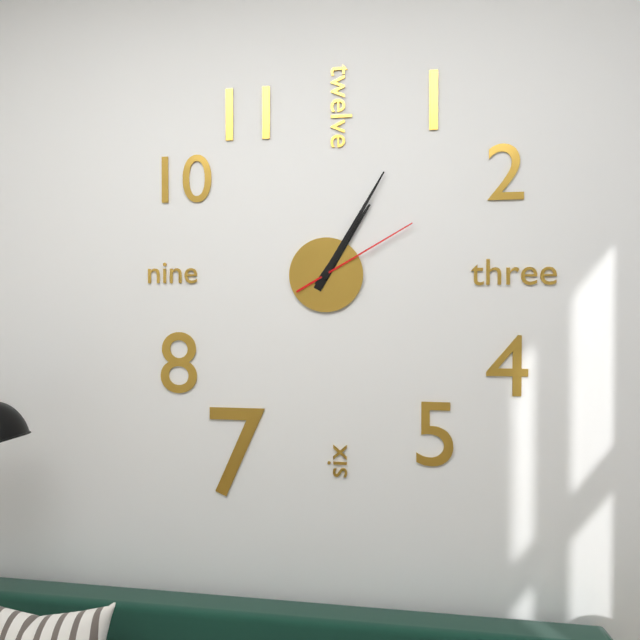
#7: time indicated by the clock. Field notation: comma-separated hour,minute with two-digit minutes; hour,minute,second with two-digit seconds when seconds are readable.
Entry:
1,05,10
